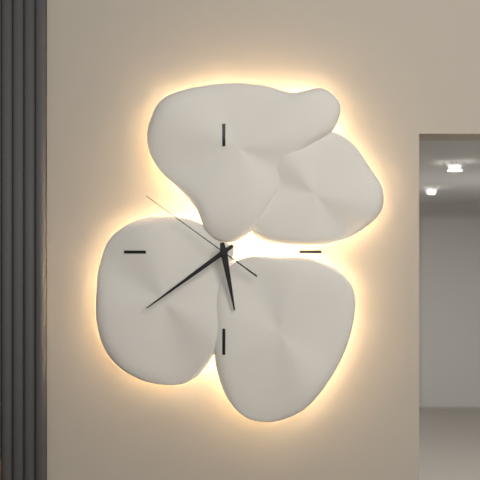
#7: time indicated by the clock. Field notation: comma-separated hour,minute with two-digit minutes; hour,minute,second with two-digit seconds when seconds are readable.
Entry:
5,39,51
